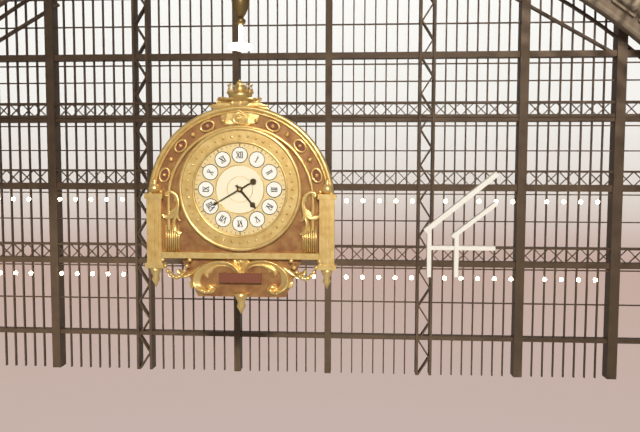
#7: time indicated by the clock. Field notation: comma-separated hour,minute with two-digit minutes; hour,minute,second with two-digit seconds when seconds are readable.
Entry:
4,40
